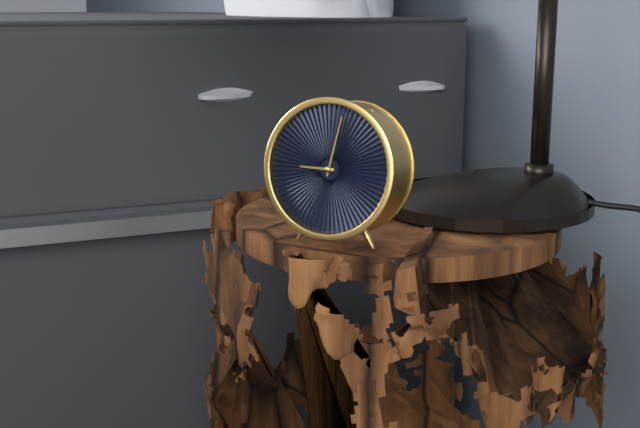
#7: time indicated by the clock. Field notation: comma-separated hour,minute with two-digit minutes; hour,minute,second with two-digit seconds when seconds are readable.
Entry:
9,02
